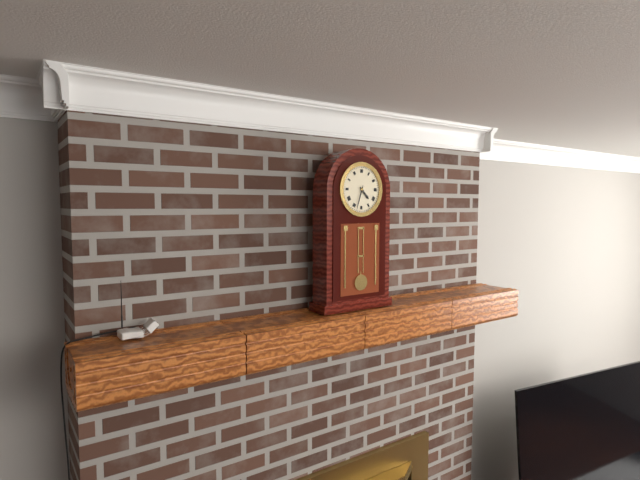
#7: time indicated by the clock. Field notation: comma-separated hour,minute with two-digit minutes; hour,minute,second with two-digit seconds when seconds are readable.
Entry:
4,33
